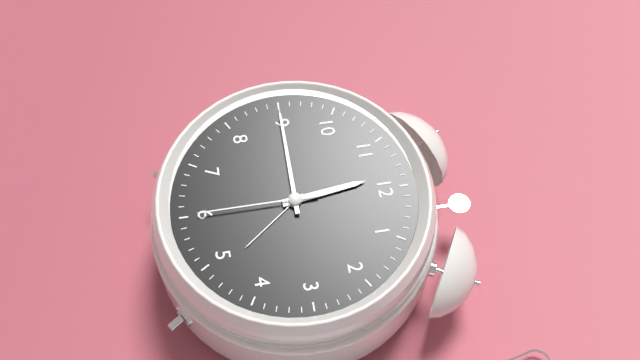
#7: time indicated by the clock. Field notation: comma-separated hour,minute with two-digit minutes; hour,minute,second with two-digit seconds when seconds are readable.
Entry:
11,45,30
